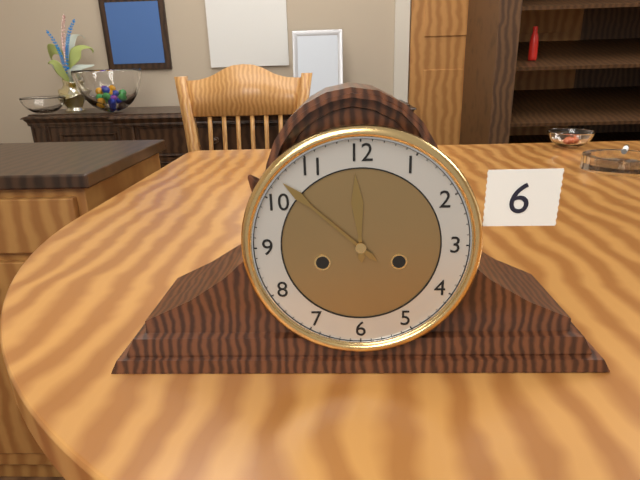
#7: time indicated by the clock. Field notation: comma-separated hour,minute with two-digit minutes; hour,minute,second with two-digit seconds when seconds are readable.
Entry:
11,52
